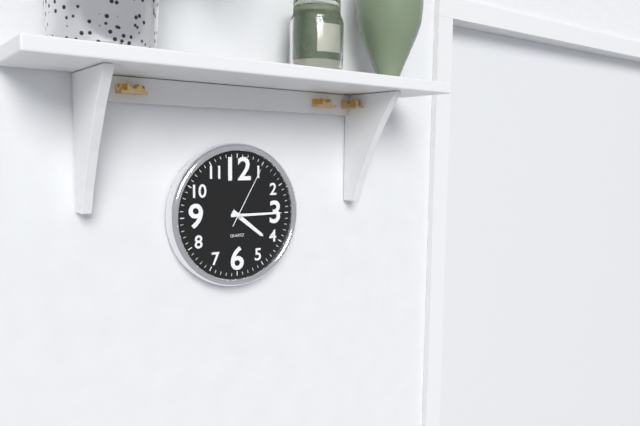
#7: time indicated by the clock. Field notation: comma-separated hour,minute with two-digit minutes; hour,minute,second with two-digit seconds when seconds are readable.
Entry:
4,15,05
